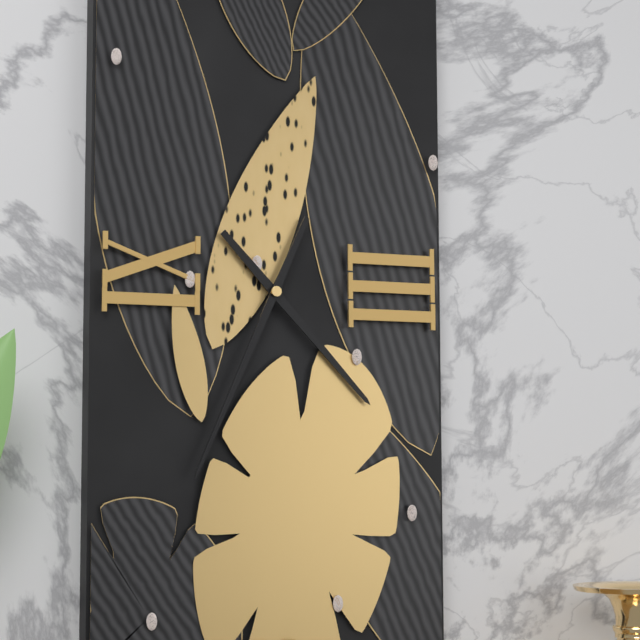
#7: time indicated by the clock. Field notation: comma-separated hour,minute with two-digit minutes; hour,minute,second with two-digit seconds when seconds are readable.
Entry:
4,34
